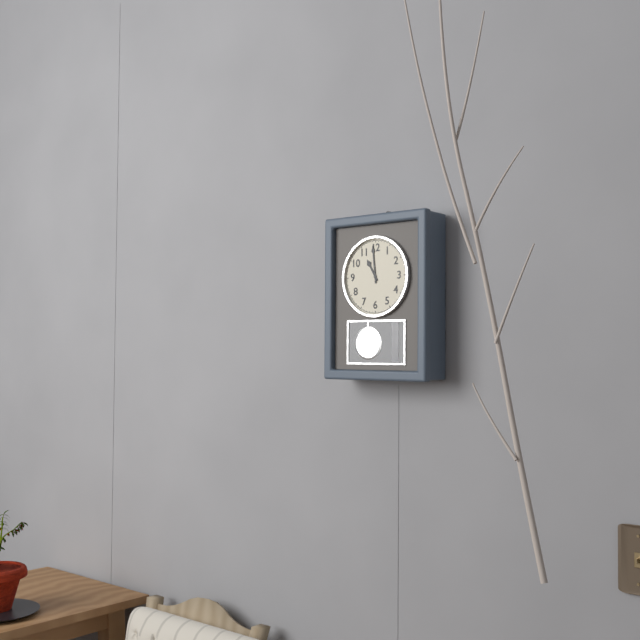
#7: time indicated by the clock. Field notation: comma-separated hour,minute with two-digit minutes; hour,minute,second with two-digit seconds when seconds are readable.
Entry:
10,59
